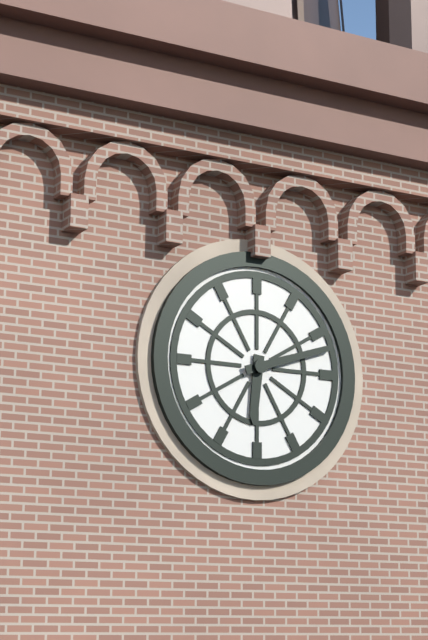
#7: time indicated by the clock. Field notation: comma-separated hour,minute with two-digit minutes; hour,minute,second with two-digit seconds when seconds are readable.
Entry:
6,12
